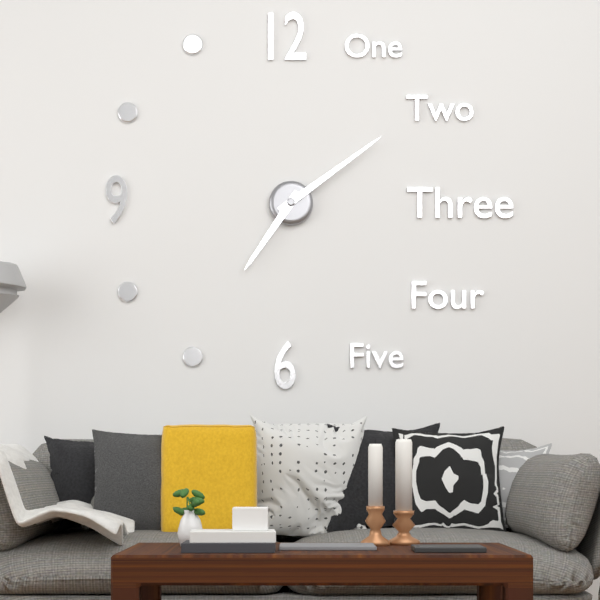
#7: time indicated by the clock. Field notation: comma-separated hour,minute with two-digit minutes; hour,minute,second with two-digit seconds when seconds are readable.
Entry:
7,09
